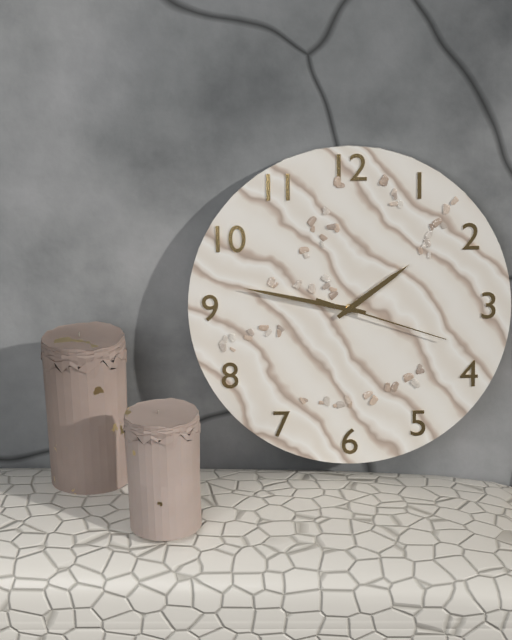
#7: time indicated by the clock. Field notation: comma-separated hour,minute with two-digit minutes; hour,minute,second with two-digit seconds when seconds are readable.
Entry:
1,47,18
